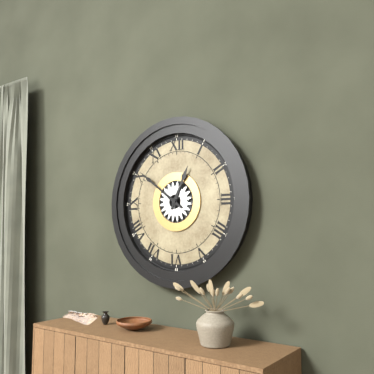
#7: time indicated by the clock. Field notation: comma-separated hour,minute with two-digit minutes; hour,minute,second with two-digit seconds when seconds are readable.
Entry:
12,51
